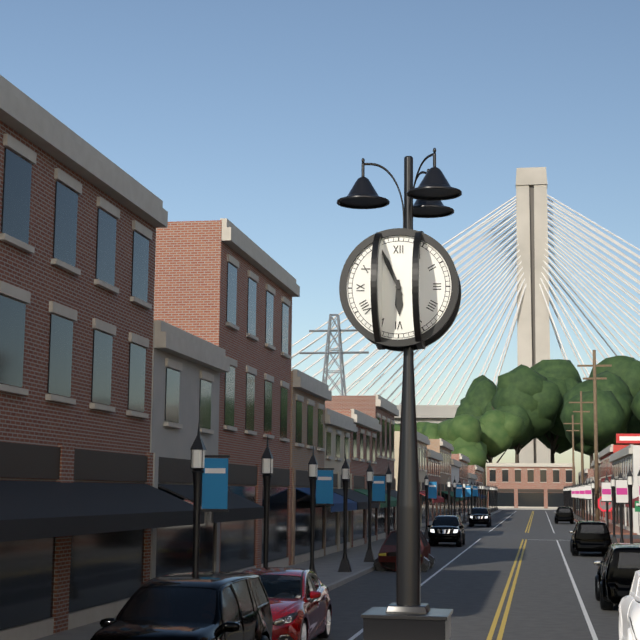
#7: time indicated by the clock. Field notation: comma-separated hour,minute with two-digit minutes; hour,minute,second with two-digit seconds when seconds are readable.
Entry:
5,56
